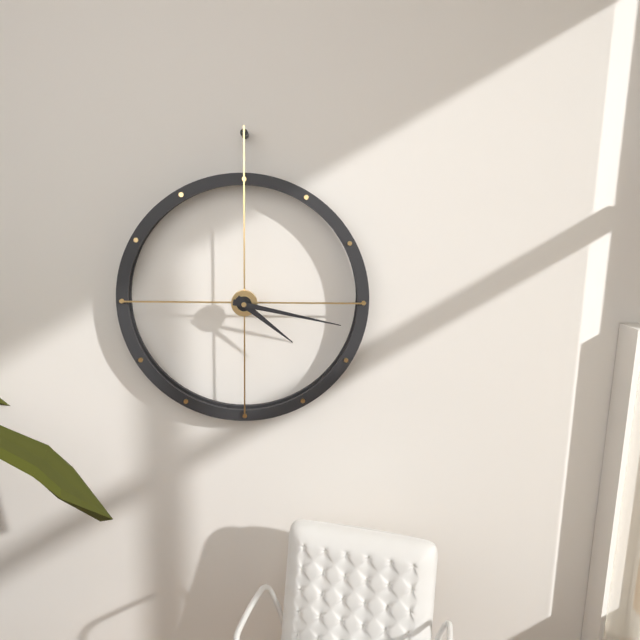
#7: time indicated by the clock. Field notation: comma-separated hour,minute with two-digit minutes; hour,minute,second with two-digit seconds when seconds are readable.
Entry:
4,17
